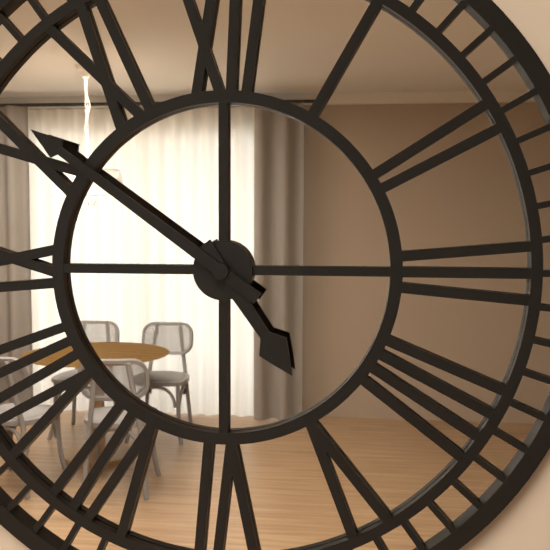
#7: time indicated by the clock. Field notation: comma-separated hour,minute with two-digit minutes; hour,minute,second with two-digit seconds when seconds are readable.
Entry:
4,51
